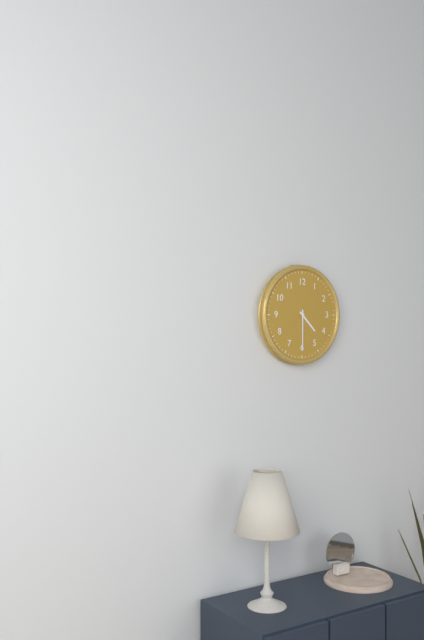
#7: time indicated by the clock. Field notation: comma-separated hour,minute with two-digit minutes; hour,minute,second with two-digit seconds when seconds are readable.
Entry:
4,30
